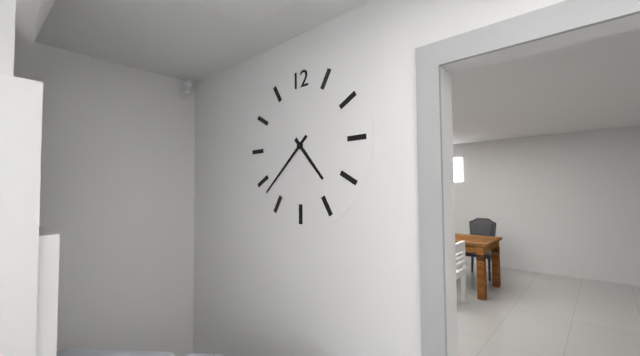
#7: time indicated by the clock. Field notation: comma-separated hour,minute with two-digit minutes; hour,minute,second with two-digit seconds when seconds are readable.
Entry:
4,38
